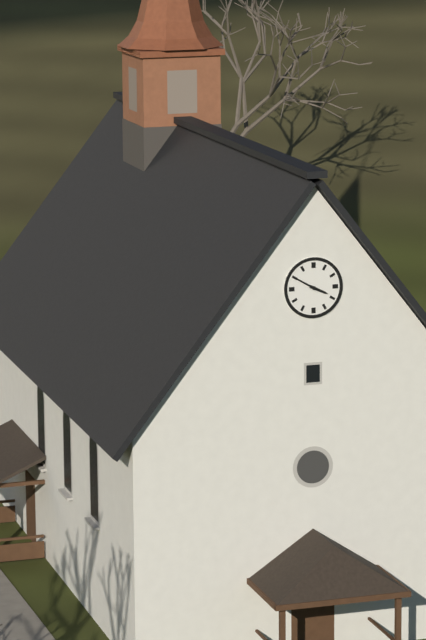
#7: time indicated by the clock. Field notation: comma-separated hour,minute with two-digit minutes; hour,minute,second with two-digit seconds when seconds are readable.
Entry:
3,50
